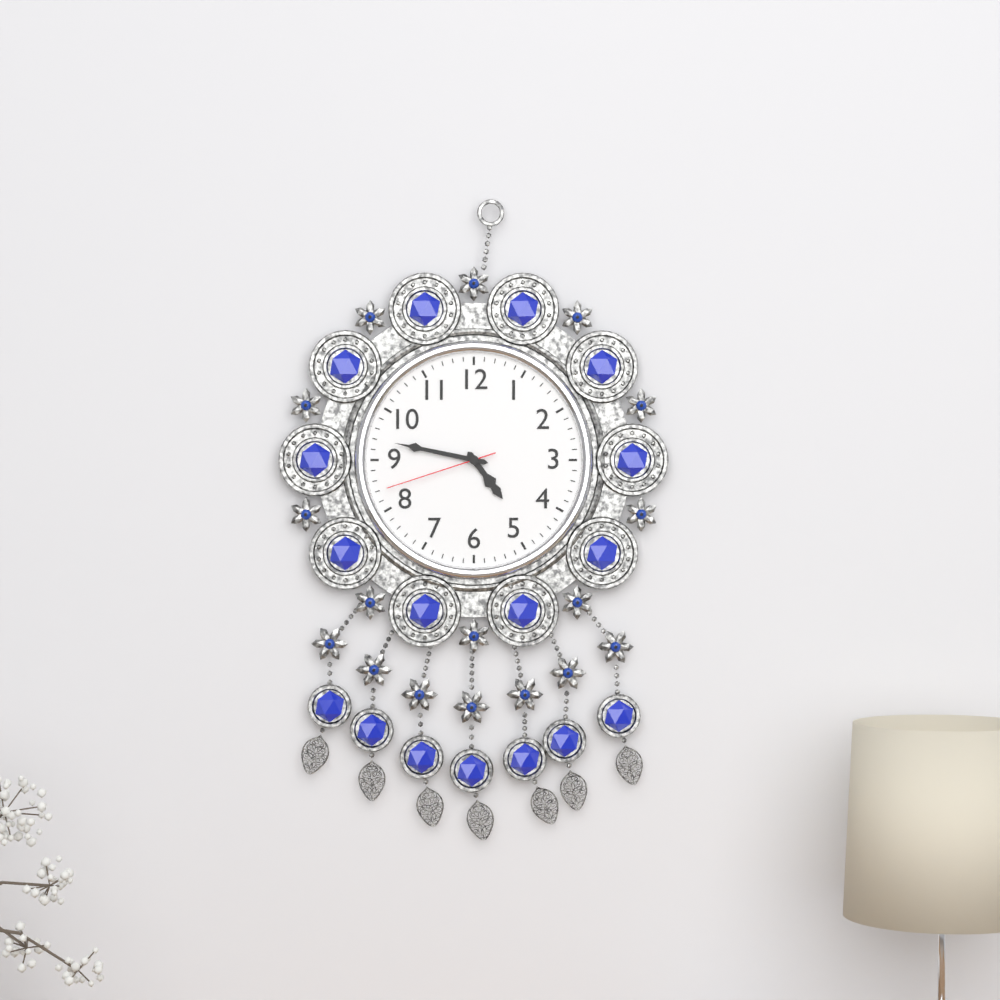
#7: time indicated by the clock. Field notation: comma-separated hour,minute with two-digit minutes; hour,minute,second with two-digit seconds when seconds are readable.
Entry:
4,47,42
